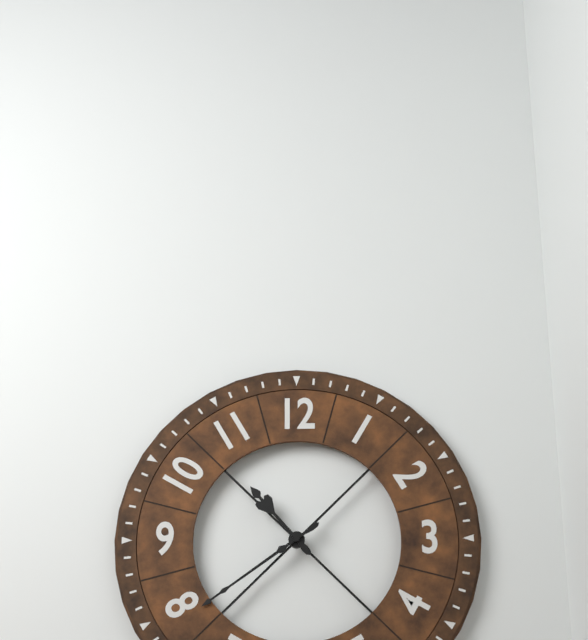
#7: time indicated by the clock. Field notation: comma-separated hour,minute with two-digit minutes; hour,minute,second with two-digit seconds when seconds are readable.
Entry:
10,39
